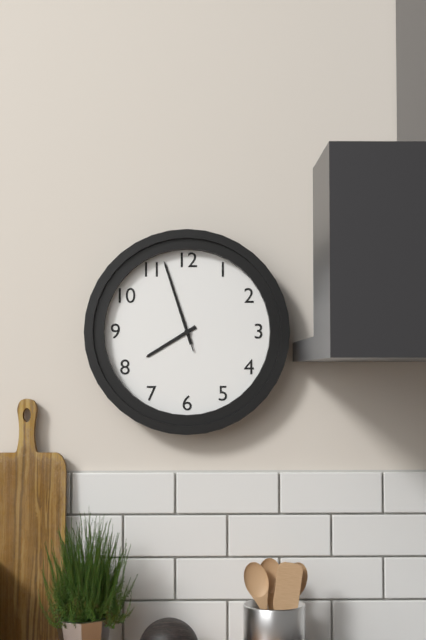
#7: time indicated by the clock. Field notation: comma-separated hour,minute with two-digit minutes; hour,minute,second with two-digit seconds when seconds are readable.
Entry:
7,57,57
